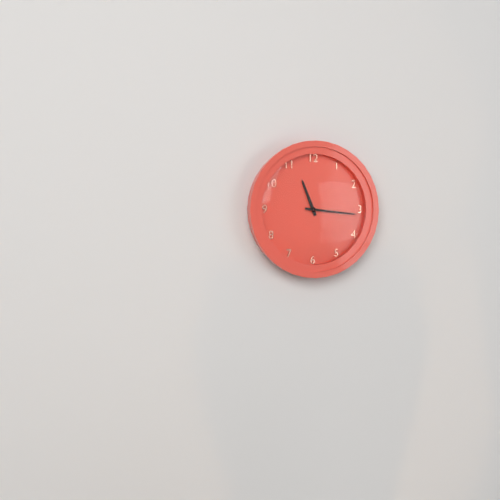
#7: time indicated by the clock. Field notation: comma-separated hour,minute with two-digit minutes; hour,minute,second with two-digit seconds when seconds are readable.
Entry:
11,16
